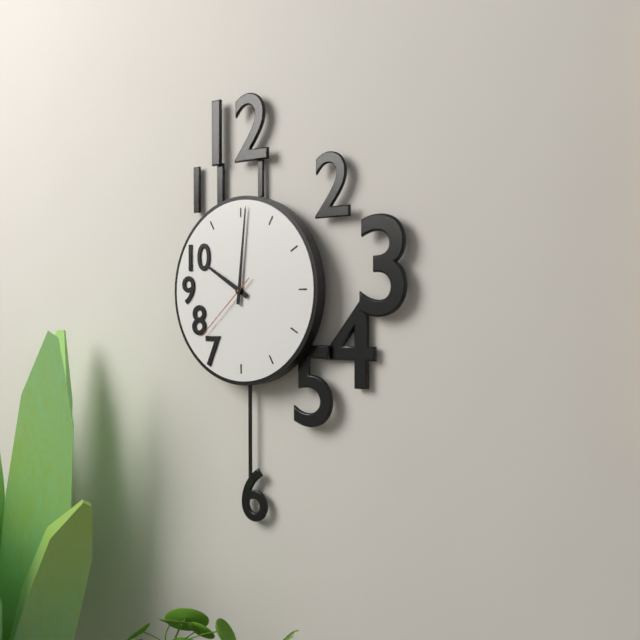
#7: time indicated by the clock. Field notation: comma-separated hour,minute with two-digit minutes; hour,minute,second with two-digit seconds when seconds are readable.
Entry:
10,01,38
